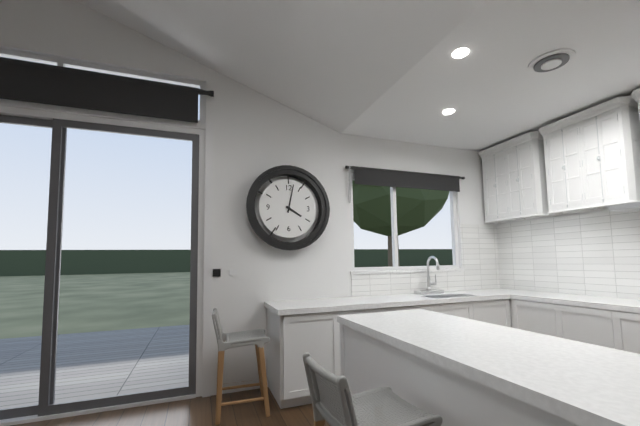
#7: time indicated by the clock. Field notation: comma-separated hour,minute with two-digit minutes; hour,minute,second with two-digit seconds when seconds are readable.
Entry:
4,02
